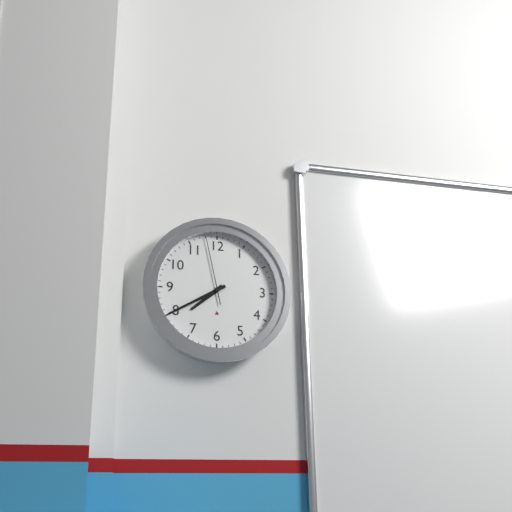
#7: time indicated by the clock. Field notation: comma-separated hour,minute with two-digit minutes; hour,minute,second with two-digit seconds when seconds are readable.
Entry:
7,40,58
